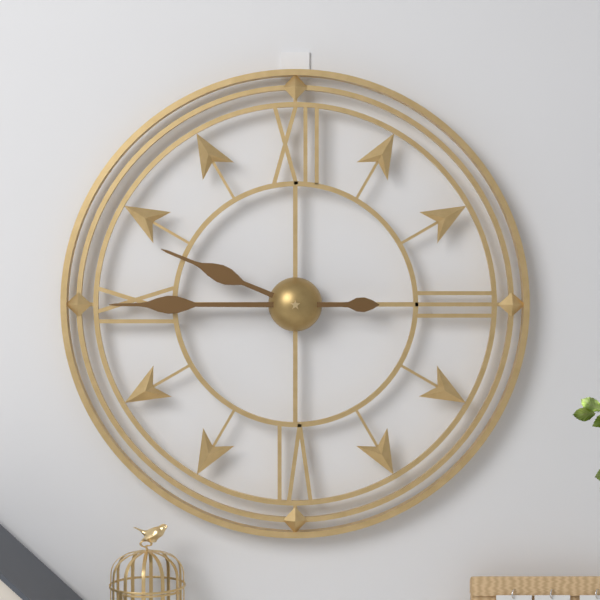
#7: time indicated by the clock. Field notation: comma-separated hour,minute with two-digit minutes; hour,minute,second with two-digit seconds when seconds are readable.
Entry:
9,45
